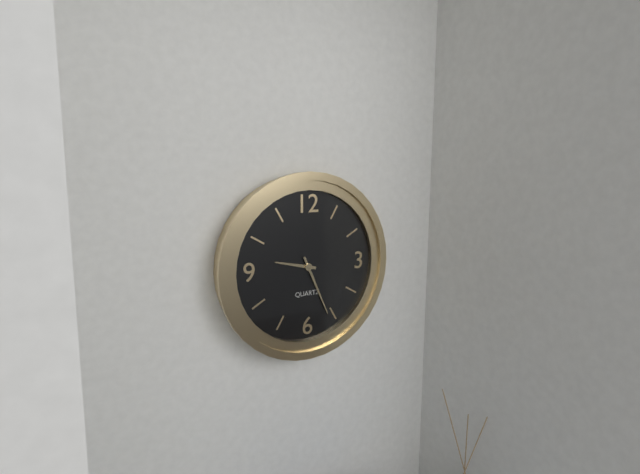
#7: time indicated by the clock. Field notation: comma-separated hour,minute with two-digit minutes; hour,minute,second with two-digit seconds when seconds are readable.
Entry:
9,26
